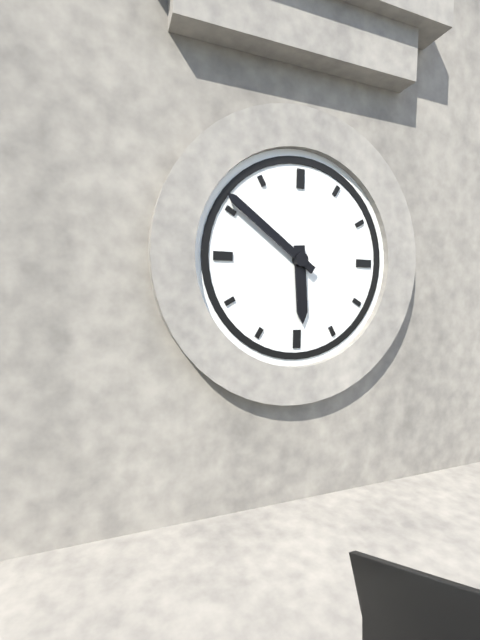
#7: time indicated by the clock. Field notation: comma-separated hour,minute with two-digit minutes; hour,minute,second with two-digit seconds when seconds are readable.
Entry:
5,51
